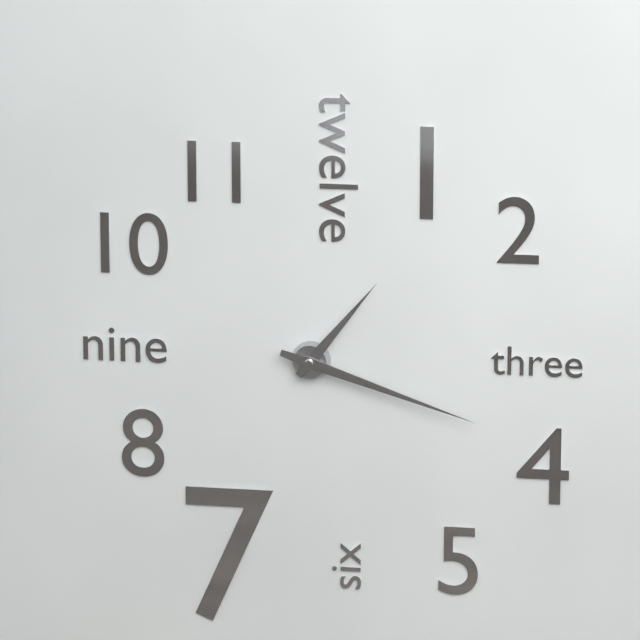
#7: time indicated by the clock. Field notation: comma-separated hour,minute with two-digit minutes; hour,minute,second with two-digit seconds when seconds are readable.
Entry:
1,18
